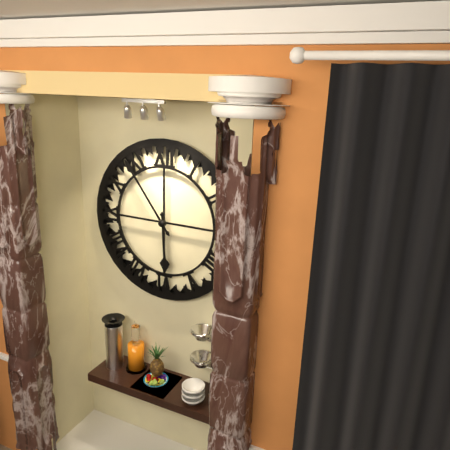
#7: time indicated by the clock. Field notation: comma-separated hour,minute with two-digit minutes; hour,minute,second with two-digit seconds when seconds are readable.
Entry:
5,54
